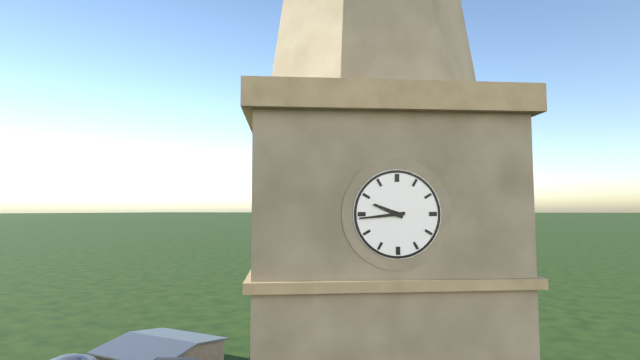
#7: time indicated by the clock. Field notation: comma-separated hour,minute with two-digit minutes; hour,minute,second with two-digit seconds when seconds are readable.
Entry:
9,44
